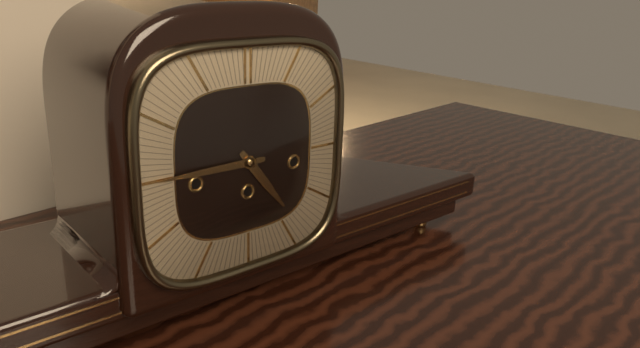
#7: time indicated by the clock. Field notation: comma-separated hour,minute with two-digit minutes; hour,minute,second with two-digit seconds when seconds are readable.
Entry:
4,45
